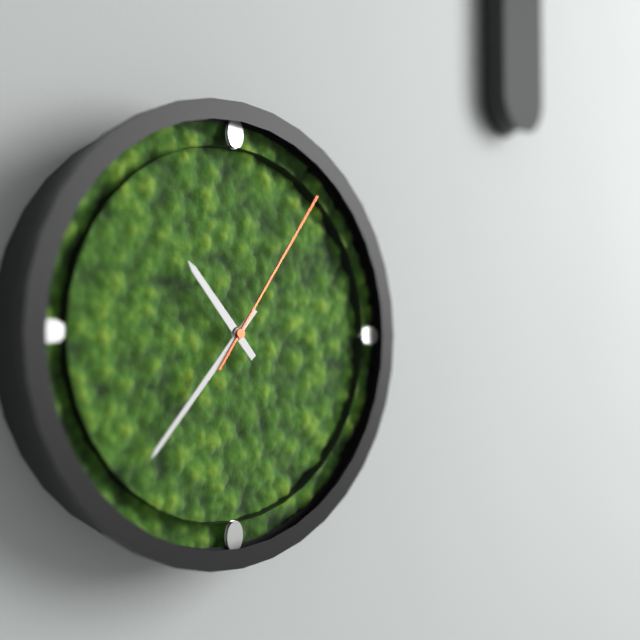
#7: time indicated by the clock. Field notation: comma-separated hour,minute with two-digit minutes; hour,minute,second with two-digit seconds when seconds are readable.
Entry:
10,37,06
